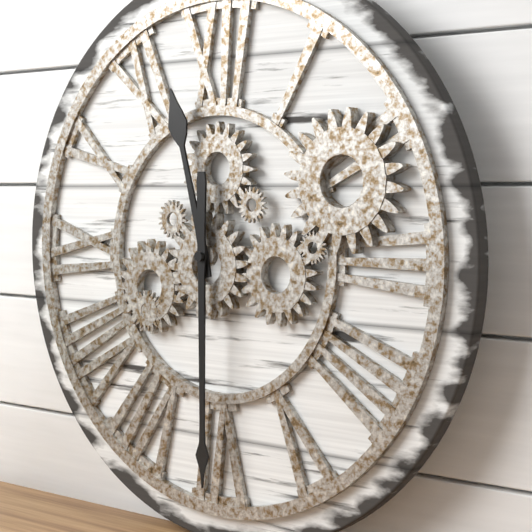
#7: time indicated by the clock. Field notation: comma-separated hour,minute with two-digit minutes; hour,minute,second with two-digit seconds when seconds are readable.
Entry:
11,30
